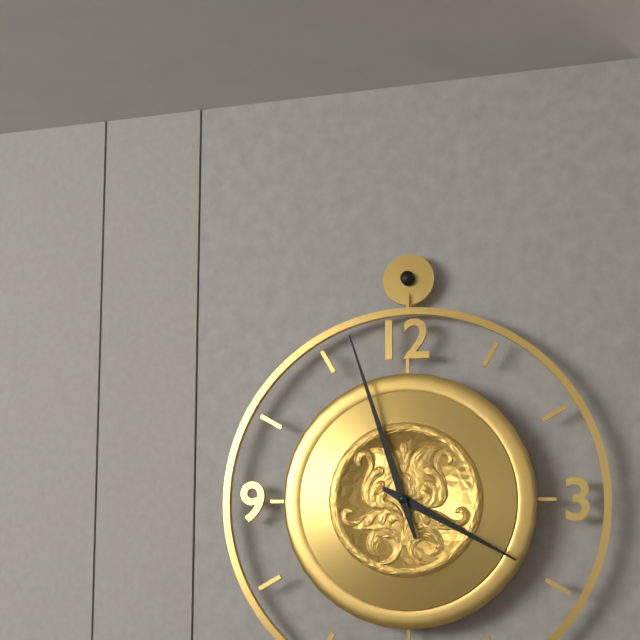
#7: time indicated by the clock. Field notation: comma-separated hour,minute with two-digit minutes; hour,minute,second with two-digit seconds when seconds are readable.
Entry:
3,57
